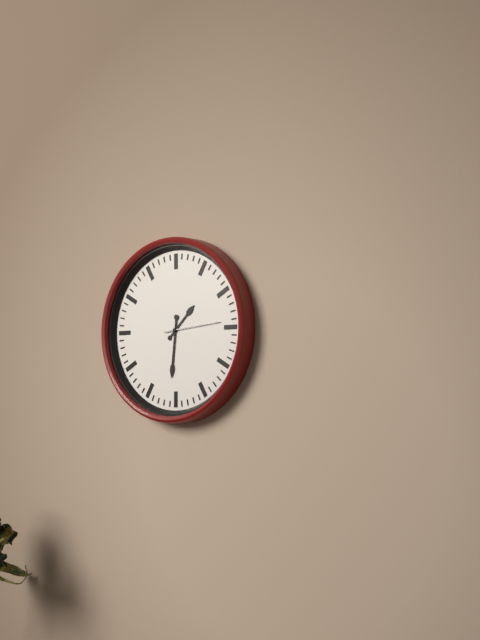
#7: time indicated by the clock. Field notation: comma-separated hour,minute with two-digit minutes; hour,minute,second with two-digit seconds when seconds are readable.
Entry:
1,31
